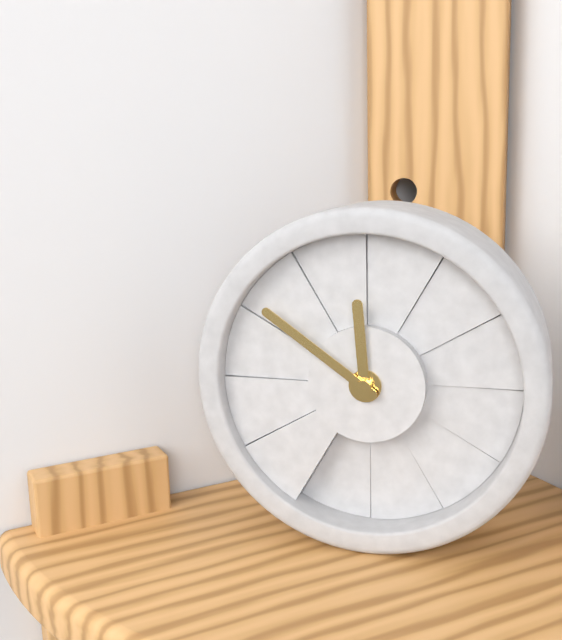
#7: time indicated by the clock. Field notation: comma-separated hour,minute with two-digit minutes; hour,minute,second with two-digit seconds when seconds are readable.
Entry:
11,51
